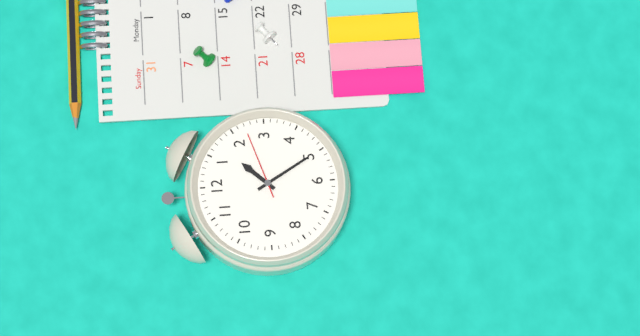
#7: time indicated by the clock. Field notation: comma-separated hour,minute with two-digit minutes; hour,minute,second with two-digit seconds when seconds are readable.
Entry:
1,25,12
